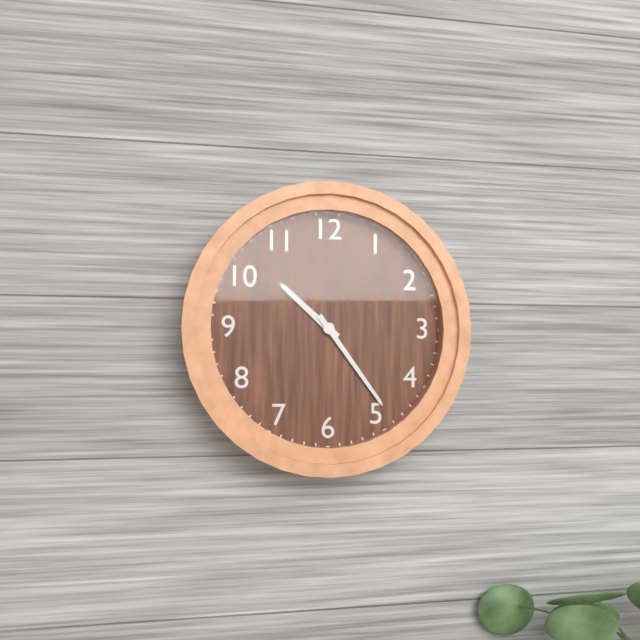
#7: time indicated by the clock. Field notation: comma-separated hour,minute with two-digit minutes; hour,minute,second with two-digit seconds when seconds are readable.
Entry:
10,24
